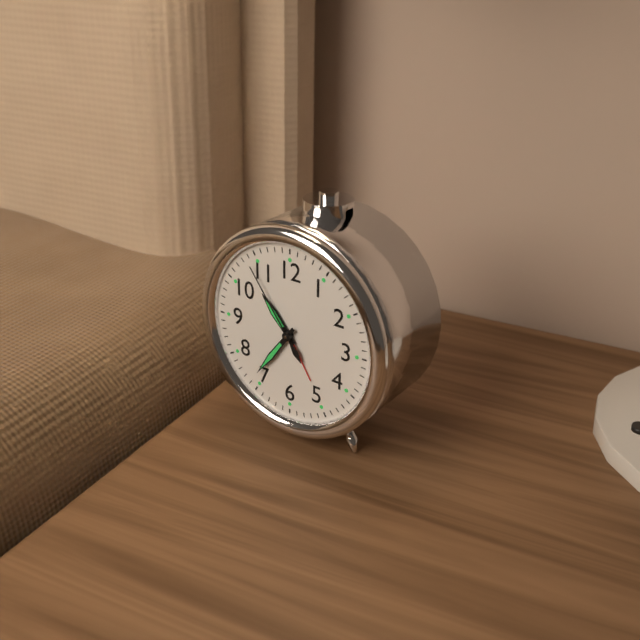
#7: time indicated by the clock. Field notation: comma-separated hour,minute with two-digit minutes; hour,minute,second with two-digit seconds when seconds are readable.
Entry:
10,36,54
